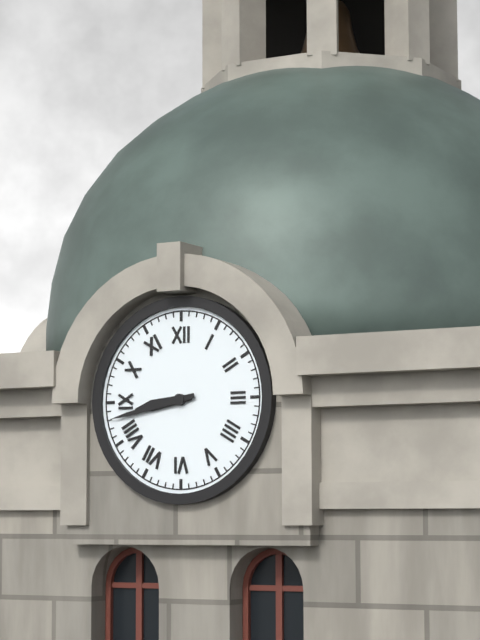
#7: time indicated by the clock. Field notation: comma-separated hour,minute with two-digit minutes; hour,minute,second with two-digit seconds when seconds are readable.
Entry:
8,43
